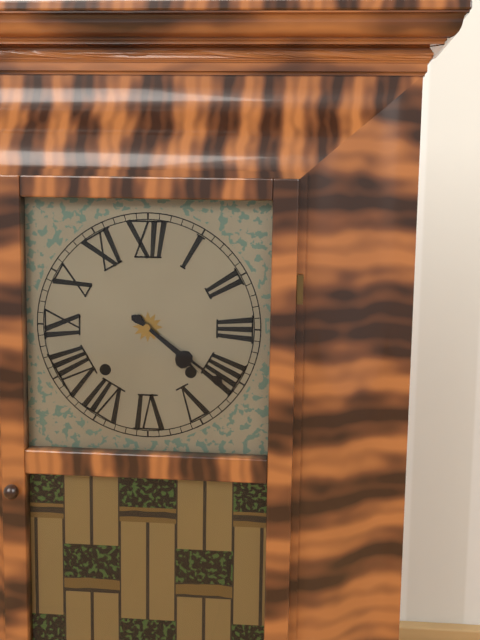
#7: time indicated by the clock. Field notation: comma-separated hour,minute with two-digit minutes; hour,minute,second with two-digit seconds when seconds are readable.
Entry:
4,21
